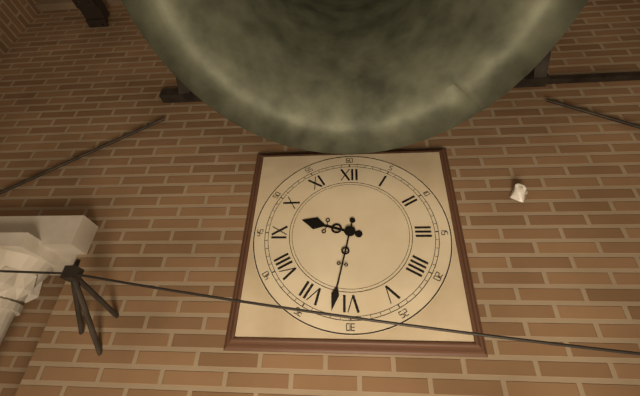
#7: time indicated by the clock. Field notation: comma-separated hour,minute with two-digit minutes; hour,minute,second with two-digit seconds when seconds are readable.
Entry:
9,32
